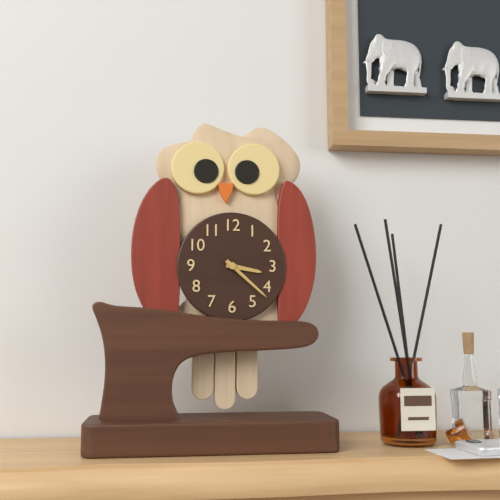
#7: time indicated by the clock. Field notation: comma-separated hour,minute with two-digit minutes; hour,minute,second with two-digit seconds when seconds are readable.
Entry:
3,22
